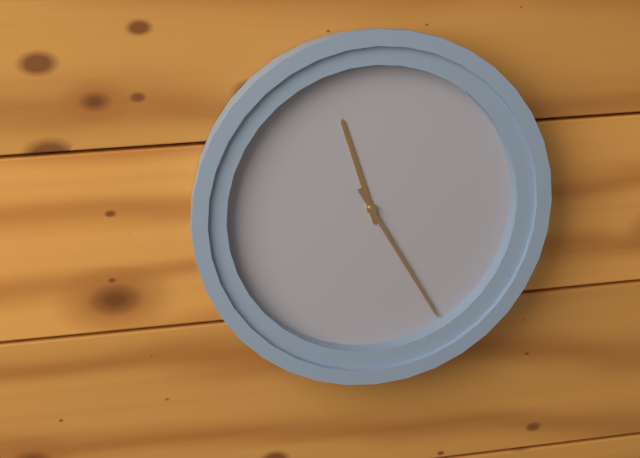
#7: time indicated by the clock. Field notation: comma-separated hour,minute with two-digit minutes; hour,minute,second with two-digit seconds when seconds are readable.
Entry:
11,25
